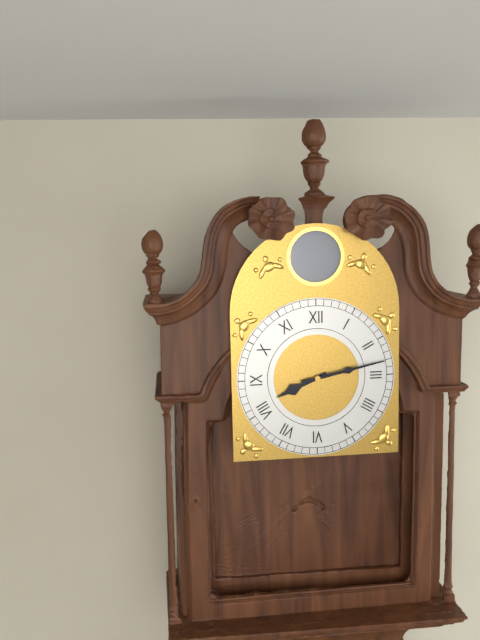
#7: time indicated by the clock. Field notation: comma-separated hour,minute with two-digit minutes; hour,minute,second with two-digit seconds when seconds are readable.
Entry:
8,13
